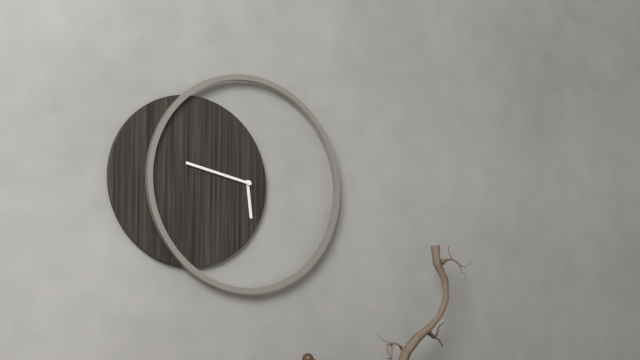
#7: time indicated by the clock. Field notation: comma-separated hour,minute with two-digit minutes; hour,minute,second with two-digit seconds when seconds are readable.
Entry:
5,47
